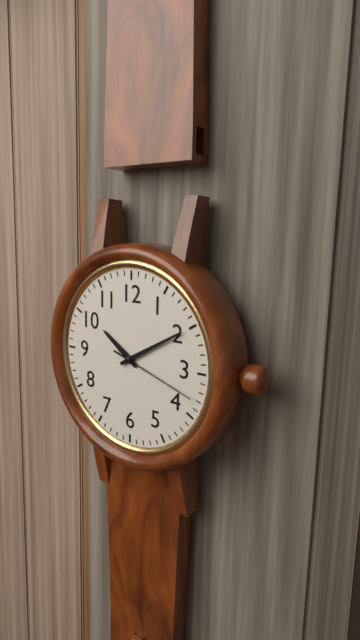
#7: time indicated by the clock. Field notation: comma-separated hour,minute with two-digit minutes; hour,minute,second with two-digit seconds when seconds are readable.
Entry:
10,10,18
